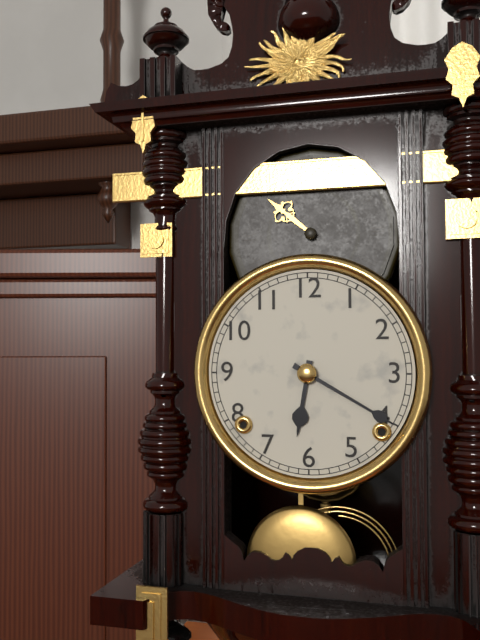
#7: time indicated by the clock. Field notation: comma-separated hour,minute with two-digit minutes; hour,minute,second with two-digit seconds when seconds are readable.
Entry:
6,20
